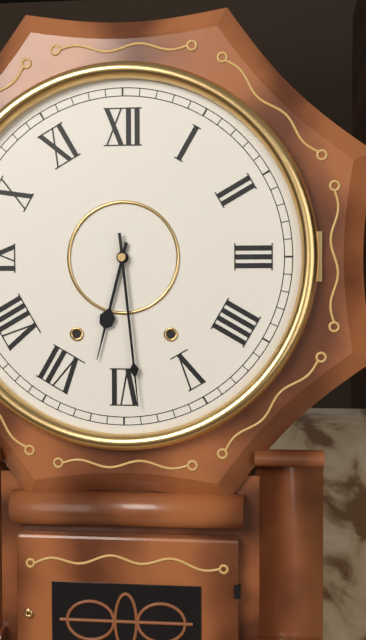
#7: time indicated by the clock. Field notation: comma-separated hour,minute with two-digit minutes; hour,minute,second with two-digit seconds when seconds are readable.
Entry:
6,29
